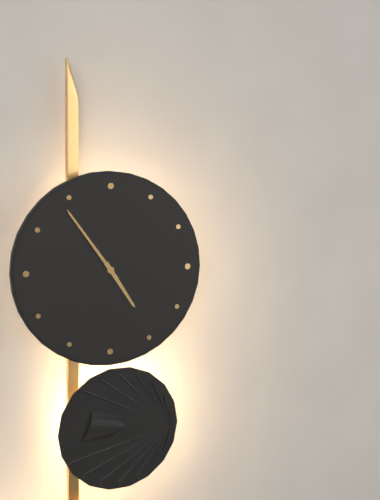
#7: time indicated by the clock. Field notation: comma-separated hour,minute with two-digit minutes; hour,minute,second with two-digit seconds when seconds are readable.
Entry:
4,54
